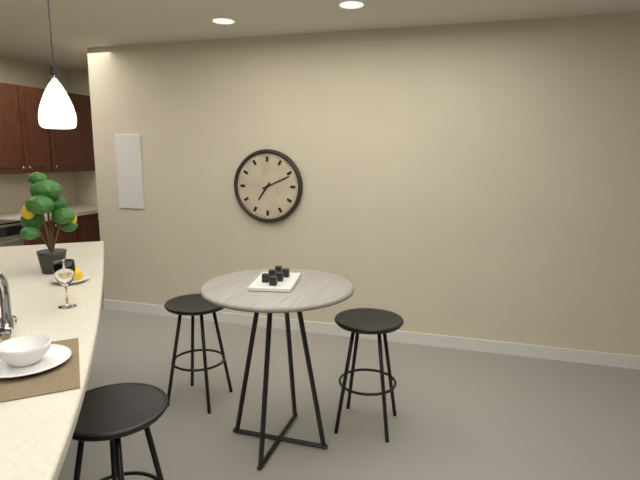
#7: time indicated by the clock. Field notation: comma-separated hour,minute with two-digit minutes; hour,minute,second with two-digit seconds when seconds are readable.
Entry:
7,11
